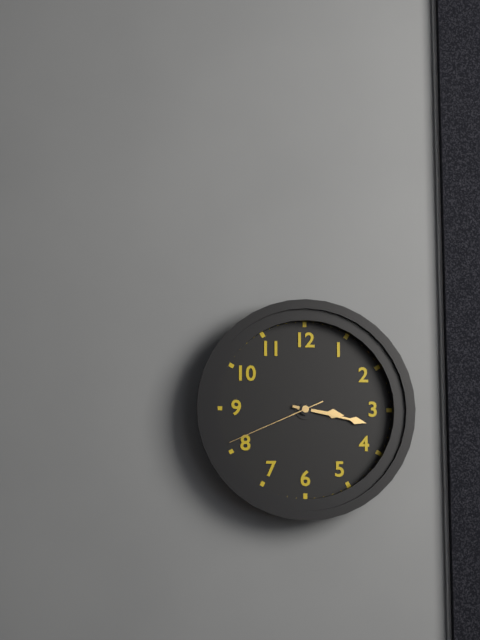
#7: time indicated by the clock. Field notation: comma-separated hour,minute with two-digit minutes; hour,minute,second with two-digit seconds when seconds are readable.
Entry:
3,17,41
